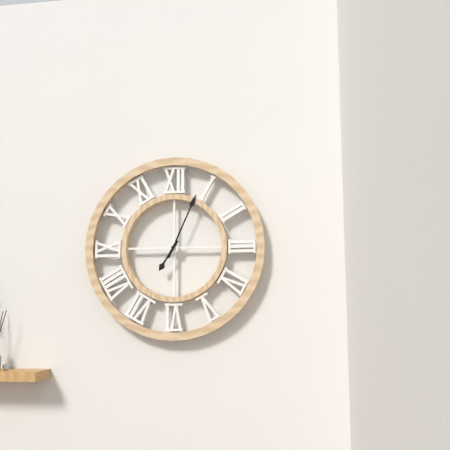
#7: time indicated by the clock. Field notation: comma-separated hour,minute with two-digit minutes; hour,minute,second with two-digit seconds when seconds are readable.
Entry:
7,04
